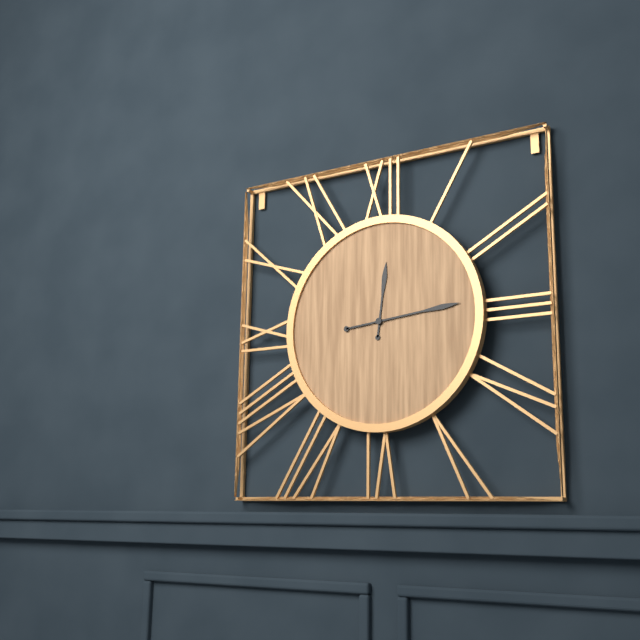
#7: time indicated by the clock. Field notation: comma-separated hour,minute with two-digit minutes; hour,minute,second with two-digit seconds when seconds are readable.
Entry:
12,14
